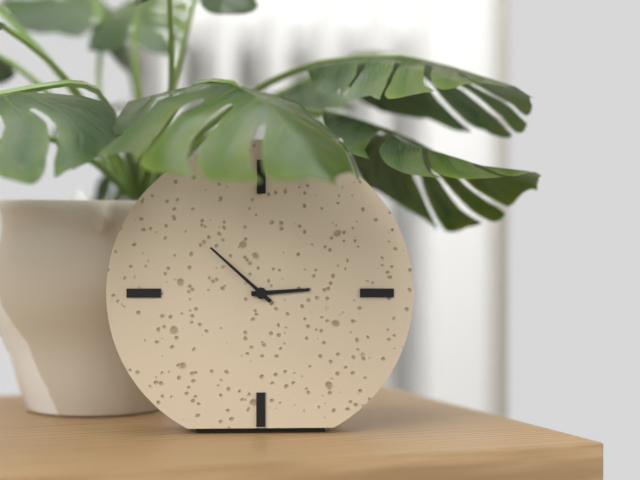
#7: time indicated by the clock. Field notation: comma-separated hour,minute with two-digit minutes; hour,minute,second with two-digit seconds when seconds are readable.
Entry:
2,52
